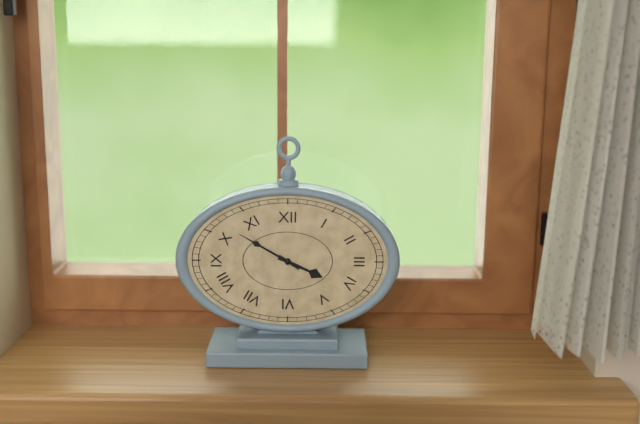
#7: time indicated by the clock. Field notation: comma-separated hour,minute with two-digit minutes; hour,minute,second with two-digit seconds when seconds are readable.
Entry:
3,50
